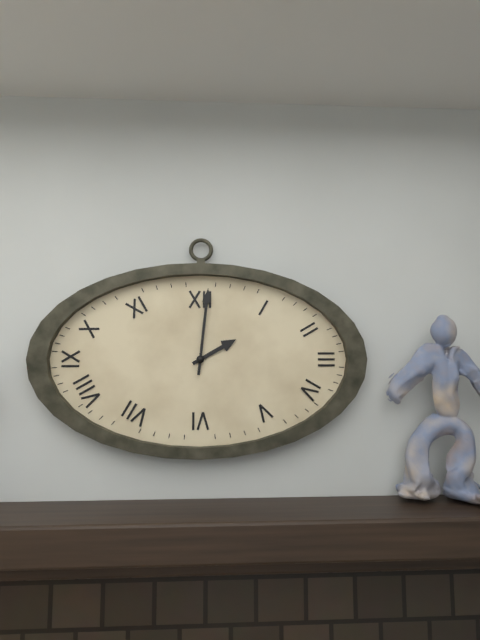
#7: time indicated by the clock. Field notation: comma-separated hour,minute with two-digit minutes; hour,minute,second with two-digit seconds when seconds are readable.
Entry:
2,01
